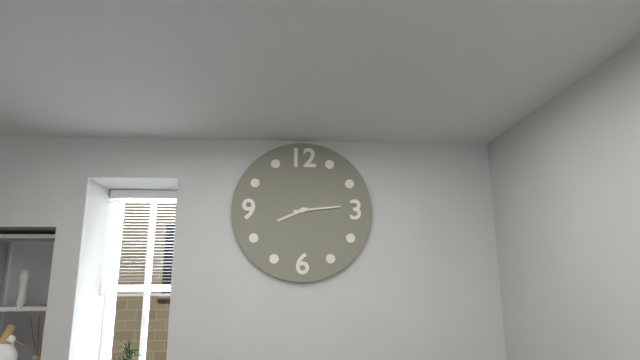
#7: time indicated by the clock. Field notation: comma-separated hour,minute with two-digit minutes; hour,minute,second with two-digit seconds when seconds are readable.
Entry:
8,14
